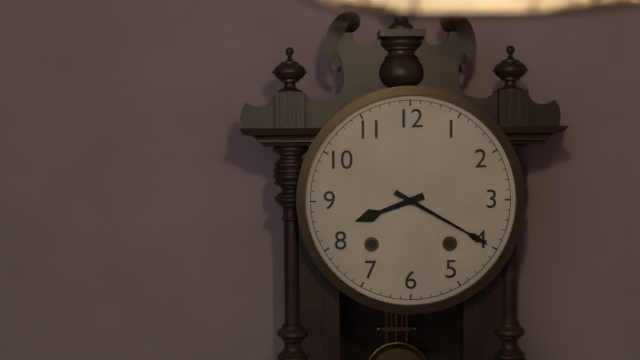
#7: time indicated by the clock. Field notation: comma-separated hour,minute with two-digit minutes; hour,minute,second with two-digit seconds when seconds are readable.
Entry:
8,20
